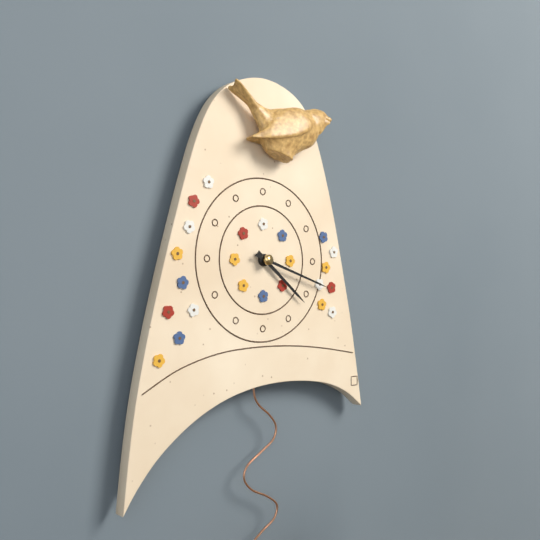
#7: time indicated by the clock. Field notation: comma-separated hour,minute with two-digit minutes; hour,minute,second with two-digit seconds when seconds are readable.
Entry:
4,18
